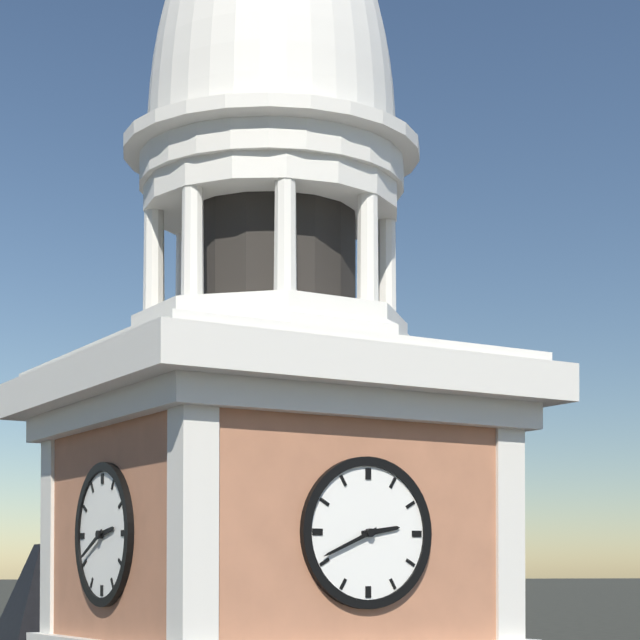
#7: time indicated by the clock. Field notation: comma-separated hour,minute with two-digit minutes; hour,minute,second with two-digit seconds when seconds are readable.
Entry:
2,41
